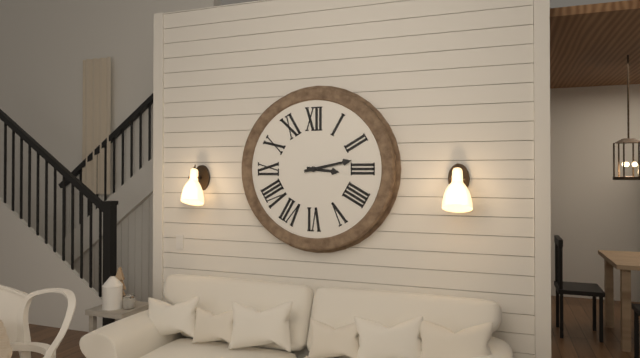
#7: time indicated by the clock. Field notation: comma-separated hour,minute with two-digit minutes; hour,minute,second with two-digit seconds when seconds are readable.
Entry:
3,13
